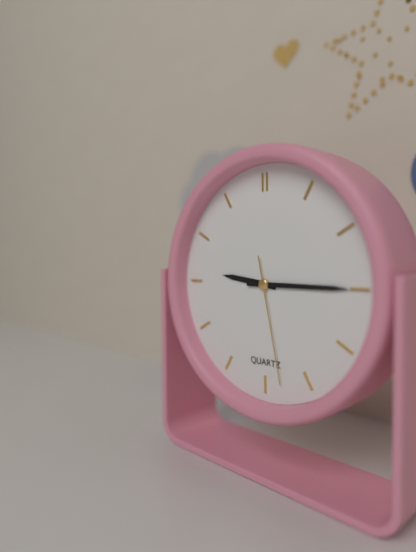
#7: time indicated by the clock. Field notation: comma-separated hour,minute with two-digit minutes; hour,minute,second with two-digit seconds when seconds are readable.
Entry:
9,15,28
